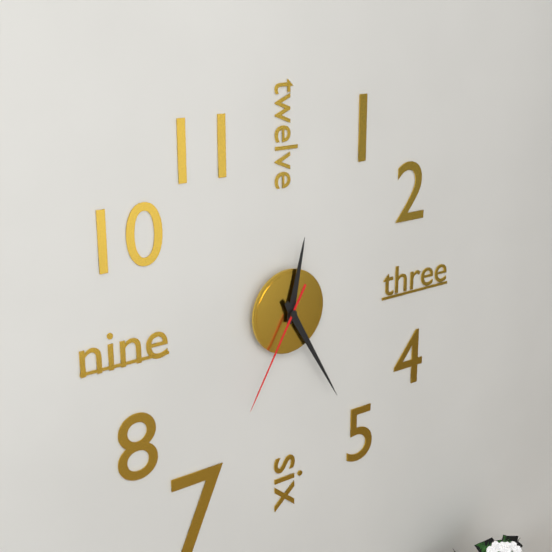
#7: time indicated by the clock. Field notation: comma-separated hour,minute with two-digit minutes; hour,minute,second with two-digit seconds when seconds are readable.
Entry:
12,25,35
